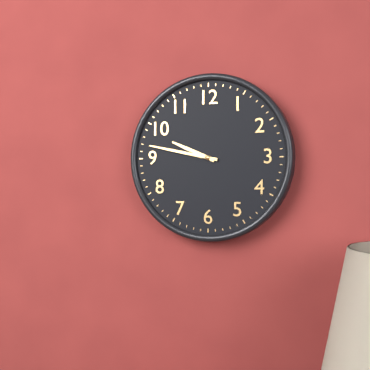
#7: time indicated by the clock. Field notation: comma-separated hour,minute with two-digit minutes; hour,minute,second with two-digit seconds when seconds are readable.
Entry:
9,47
